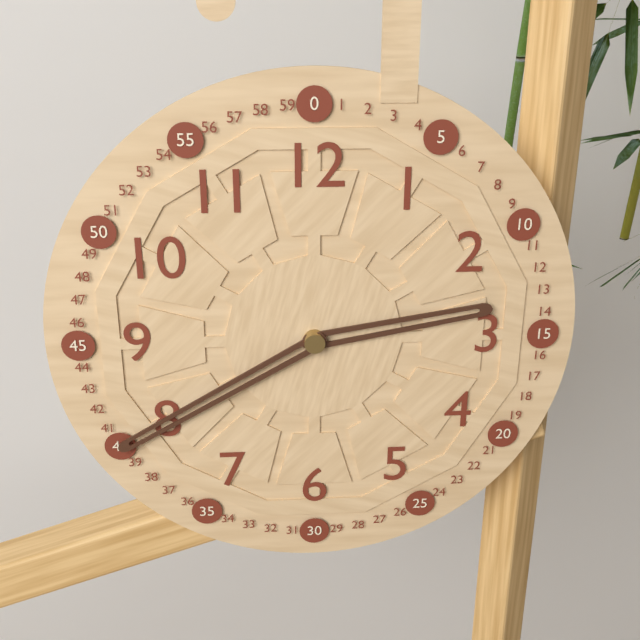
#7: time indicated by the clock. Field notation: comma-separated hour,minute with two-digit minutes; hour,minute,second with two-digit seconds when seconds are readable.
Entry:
2,40
